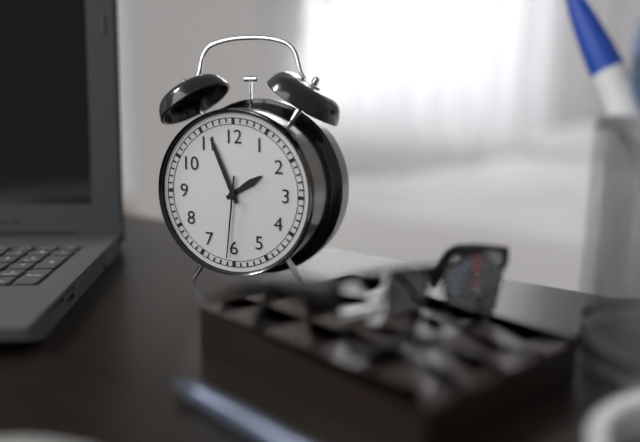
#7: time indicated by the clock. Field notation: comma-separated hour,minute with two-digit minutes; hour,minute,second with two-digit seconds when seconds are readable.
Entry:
1,56,31
